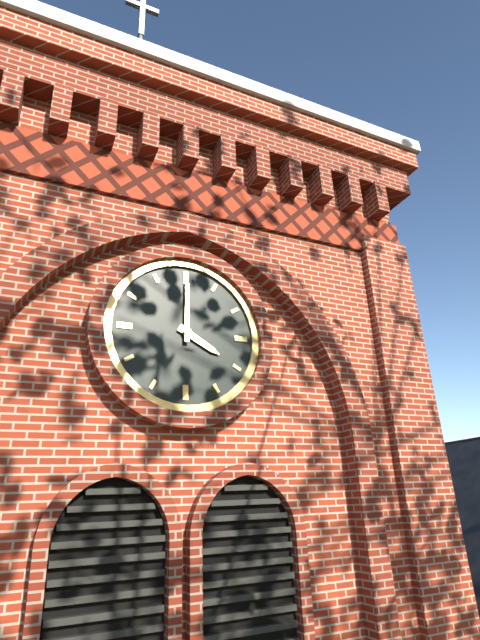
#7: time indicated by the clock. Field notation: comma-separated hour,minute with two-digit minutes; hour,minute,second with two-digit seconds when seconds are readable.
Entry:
4,00
